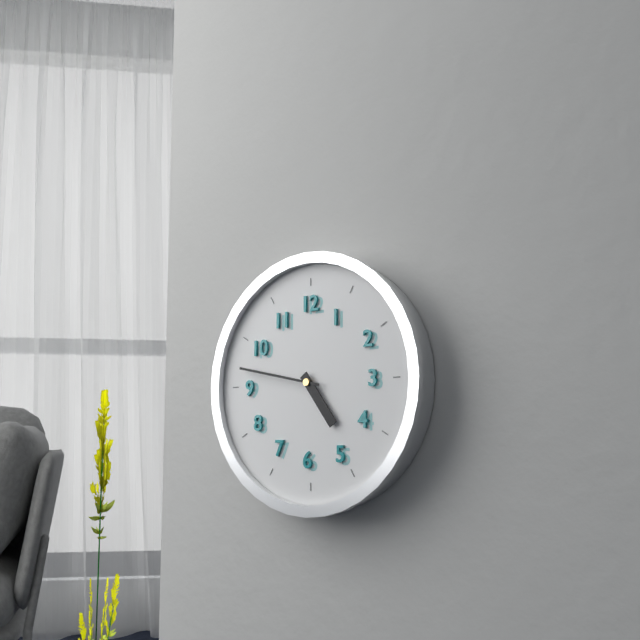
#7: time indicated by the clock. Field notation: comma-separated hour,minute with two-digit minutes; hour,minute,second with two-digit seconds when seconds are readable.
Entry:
4,47
